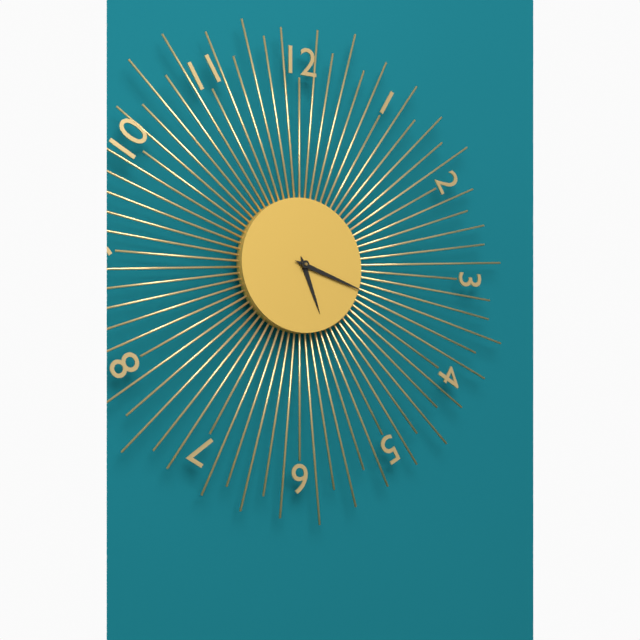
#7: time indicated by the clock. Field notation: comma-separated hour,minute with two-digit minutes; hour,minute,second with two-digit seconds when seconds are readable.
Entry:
5,18
